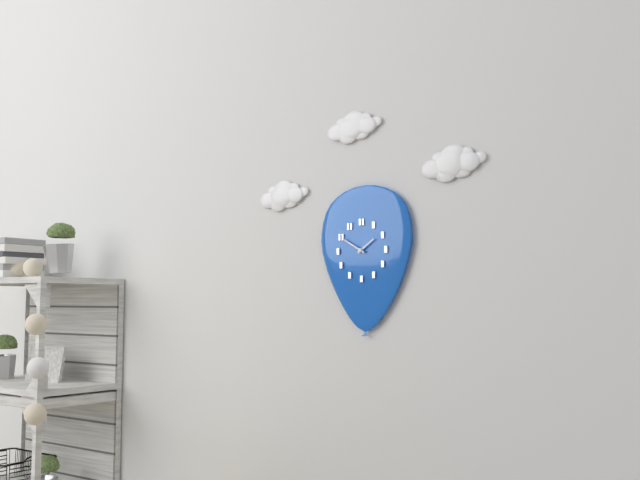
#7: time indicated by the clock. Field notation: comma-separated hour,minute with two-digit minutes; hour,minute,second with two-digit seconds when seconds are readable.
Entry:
1,50
